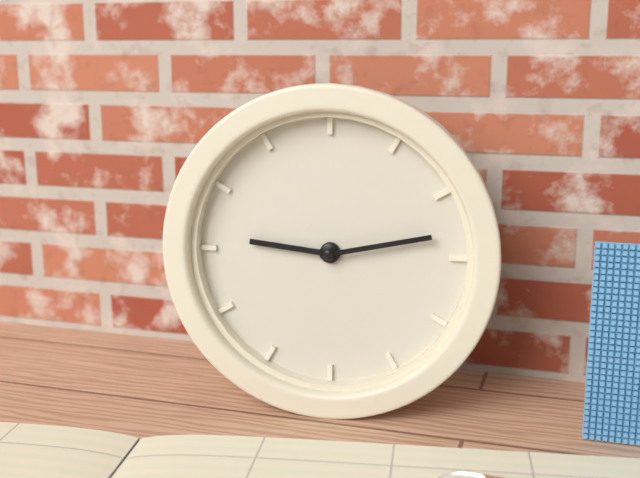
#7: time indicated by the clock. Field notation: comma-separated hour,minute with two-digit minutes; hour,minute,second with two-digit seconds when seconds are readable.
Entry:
9,13
